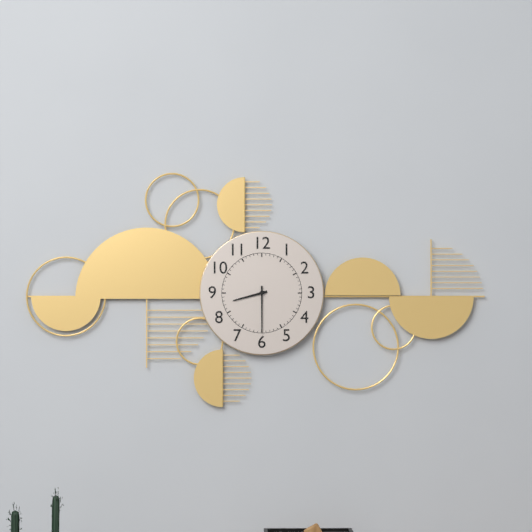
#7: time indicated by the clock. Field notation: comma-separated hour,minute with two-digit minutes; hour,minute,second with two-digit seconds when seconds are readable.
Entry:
8,30
